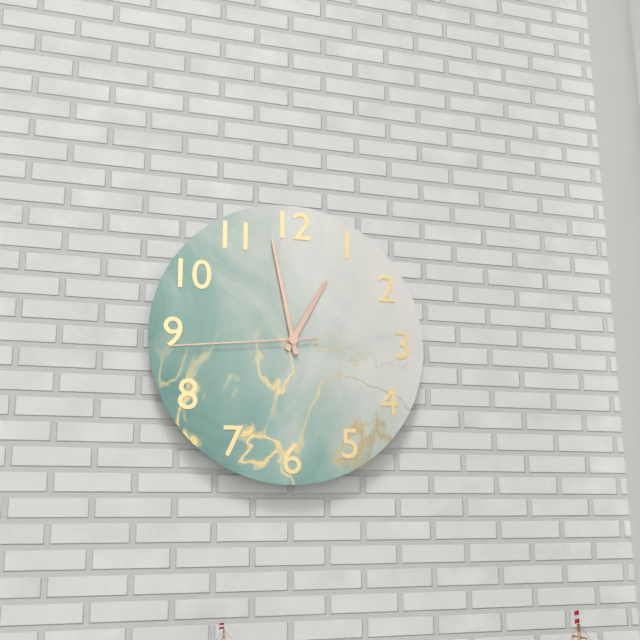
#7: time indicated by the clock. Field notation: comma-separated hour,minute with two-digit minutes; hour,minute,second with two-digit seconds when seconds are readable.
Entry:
12,58,44
